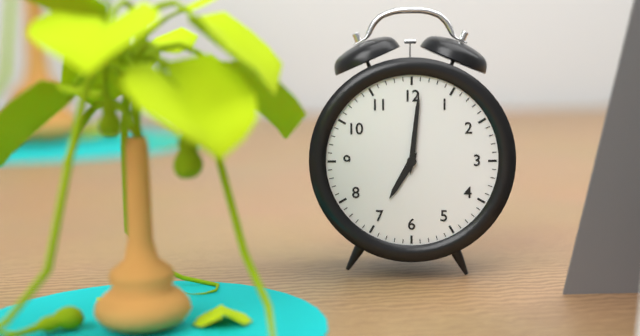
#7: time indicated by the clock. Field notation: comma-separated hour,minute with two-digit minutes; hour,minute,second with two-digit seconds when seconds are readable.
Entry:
7,01
